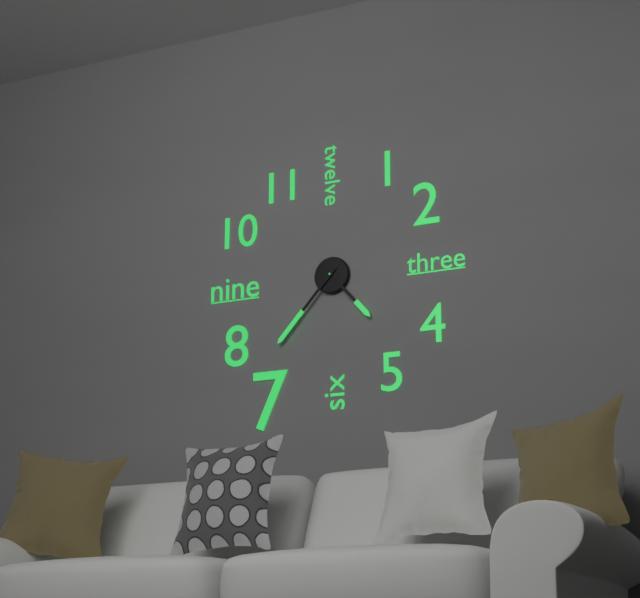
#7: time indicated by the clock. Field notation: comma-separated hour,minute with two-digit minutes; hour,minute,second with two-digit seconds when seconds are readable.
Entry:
4,37
